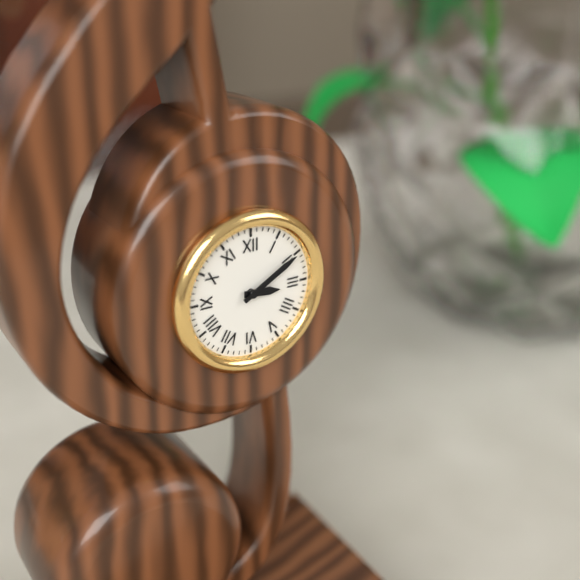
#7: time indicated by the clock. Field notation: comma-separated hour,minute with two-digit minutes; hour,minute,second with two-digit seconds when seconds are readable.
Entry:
3,10
